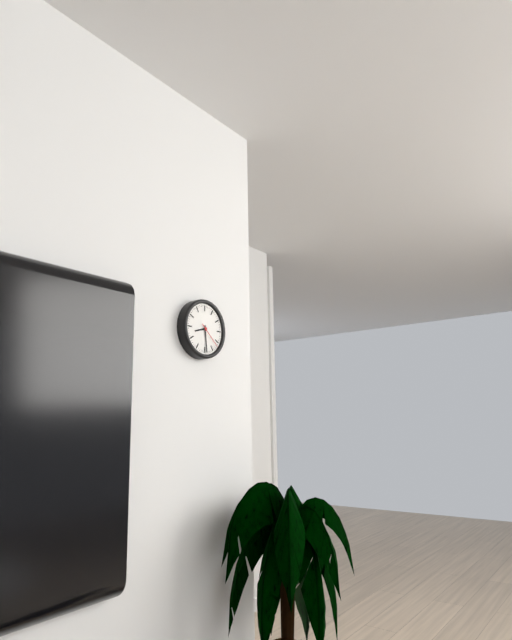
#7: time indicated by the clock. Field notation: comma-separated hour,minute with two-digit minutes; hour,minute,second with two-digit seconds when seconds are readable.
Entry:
8,29
